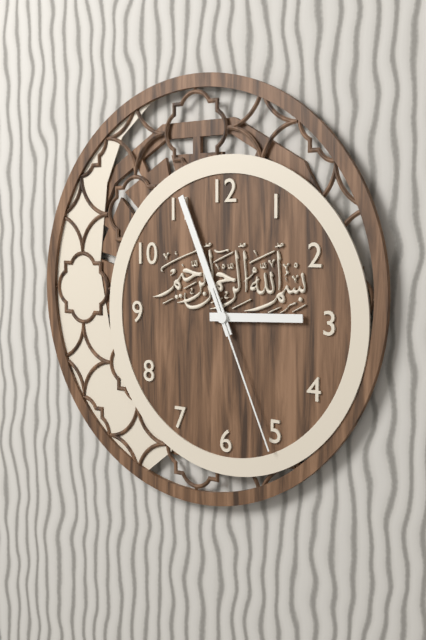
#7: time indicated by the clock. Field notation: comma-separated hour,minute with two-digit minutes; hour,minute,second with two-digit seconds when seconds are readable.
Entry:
2,56,26
